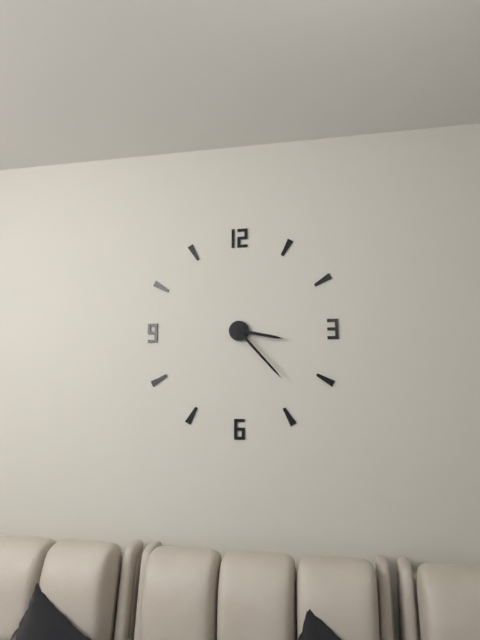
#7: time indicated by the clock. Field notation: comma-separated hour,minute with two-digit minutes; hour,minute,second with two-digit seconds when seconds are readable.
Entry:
3,23
